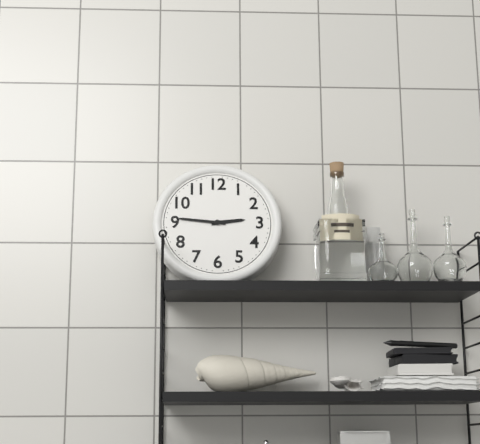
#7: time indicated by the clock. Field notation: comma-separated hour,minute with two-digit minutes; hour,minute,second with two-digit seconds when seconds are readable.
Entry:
2,46
